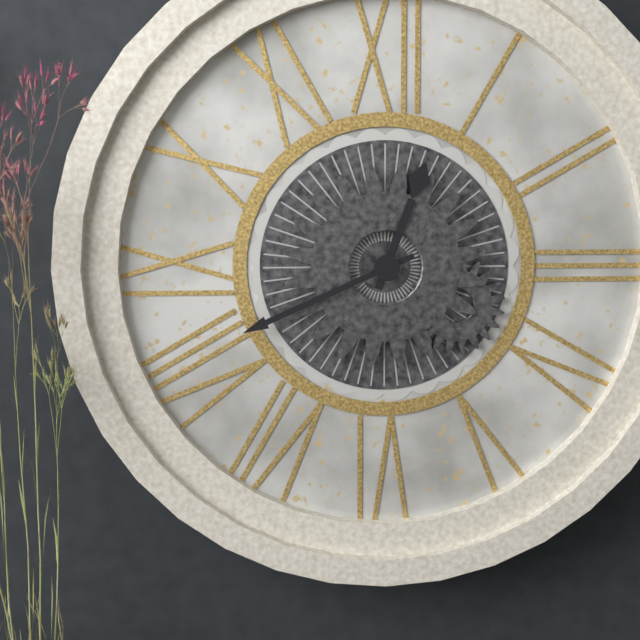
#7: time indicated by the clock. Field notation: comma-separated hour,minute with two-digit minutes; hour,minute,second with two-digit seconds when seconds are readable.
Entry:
12,41
